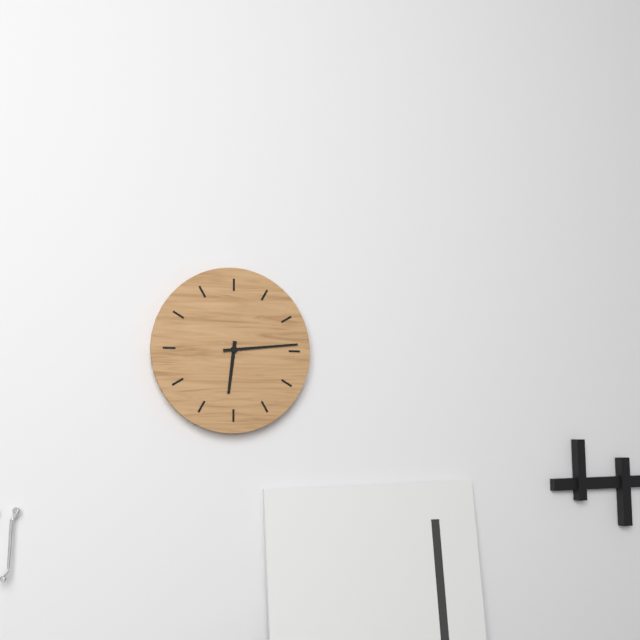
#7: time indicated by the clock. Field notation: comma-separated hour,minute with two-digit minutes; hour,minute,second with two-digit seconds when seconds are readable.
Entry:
6,14
